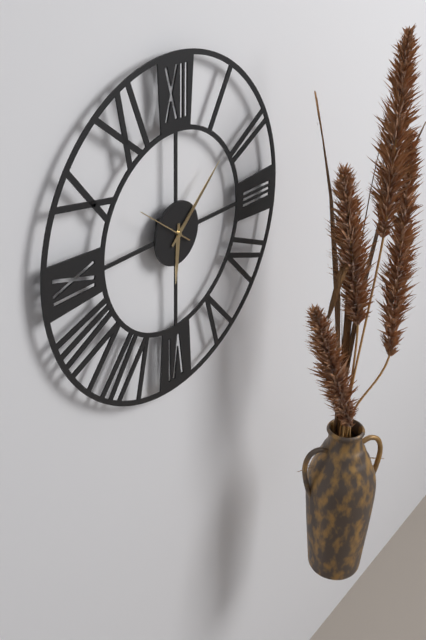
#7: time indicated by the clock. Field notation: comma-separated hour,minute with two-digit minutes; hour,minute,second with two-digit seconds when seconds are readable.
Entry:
6,08
